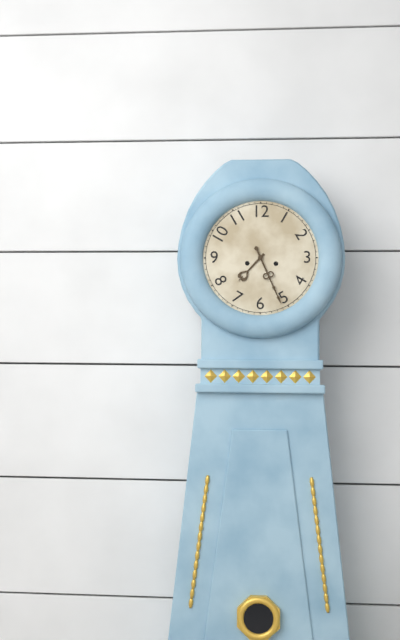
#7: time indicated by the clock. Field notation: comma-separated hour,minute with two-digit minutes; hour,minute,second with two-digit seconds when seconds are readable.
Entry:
7,26
